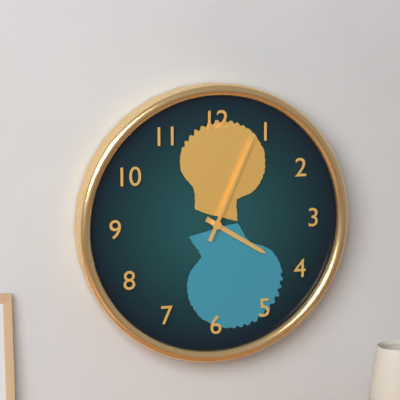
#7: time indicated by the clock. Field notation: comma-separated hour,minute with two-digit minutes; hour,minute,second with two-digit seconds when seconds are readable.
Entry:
4,04
